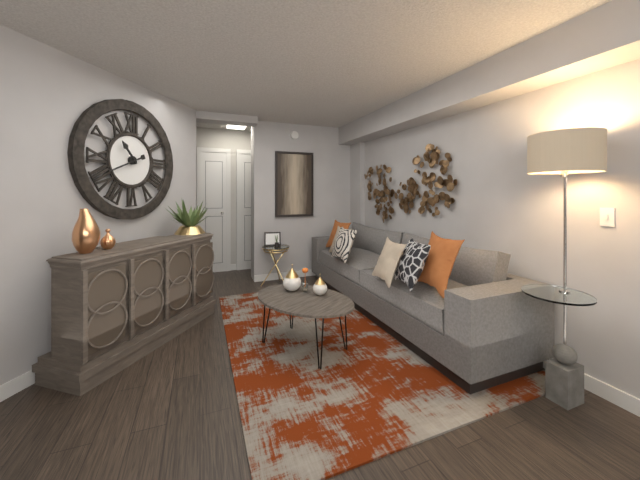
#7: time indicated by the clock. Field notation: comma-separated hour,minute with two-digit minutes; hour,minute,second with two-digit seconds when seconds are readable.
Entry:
10,41
